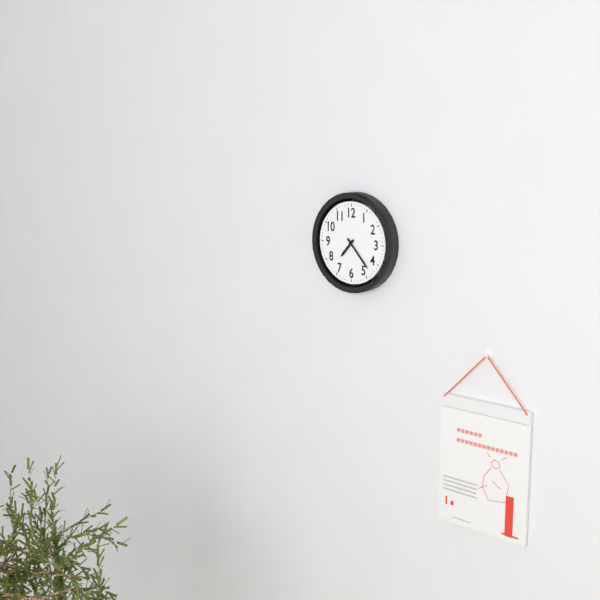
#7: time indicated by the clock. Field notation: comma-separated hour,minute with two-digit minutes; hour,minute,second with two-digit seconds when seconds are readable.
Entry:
7,23
